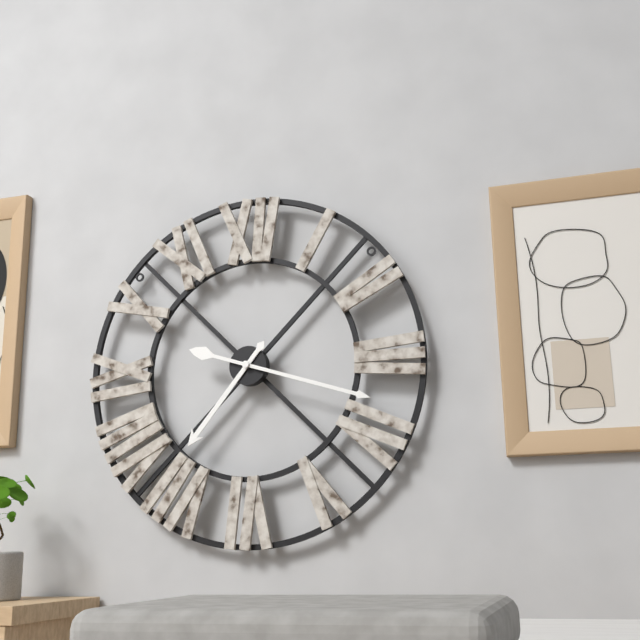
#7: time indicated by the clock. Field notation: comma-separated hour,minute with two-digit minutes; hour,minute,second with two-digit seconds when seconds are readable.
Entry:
7,18
